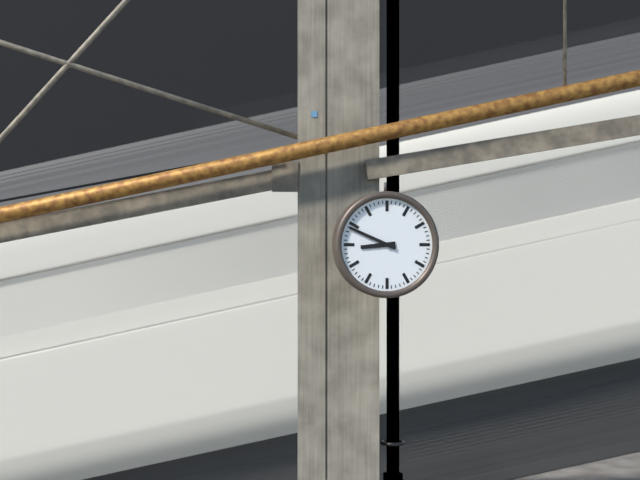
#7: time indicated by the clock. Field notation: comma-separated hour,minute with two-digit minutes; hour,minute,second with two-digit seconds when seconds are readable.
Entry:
8,49
